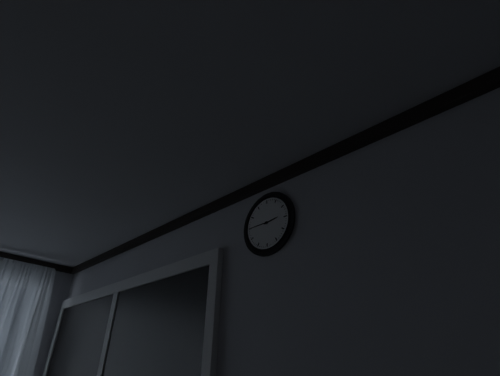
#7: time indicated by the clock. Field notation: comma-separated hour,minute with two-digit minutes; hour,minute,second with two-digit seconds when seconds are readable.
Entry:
2,45
